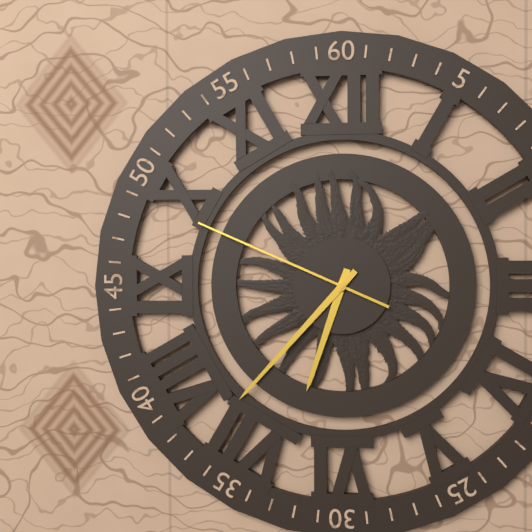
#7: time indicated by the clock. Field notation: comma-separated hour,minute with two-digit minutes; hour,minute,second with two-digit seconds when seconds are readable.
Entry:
6,37,49
